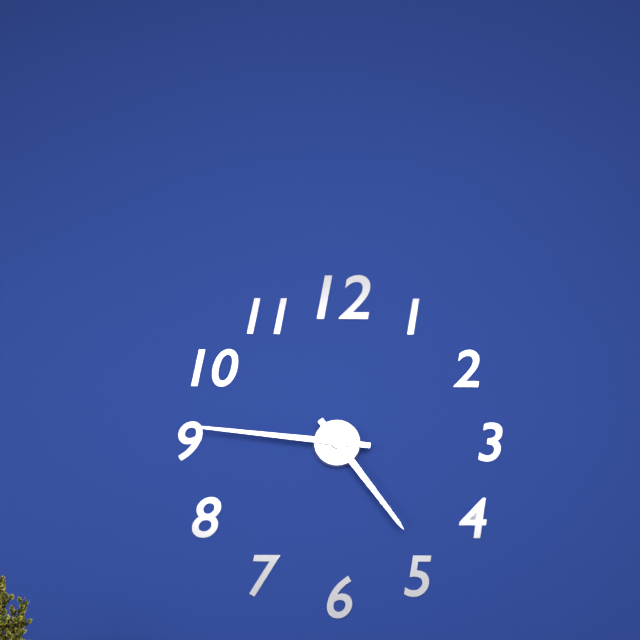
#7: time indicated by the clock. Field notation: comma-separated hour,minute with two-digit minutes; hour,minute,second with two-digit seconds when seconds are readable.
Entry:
4,46
